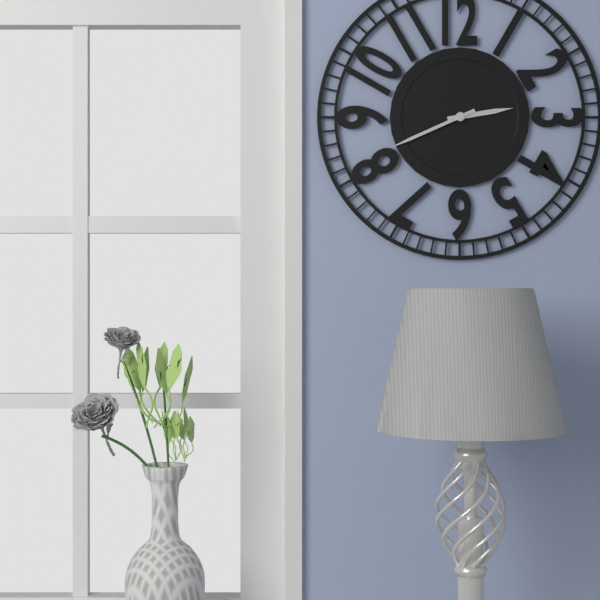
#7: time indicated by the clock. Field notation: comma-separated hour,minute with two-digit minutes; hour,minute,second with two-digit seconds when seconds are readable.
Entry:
2,41
